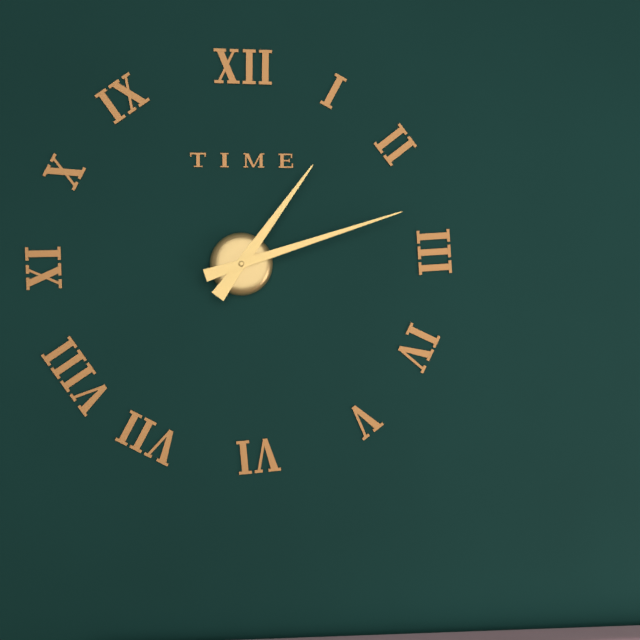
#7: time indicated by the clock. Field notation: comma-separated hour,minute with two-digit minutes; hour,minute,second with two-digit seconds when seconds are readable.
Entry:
1,12
